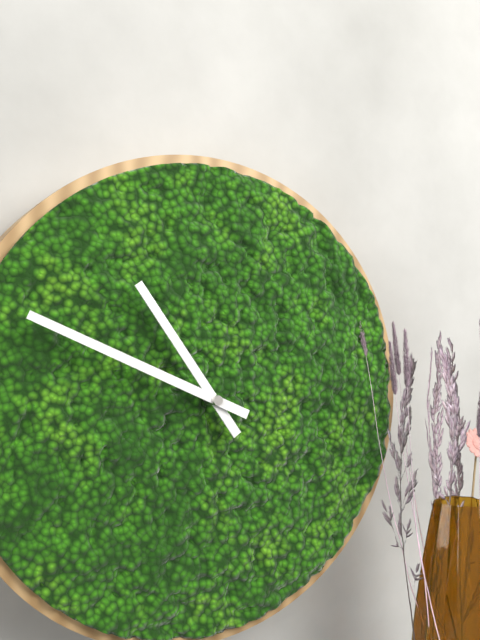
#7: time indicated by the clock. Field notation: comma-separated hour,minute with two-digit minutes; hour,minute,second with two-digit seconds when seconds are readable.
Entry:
10,49
